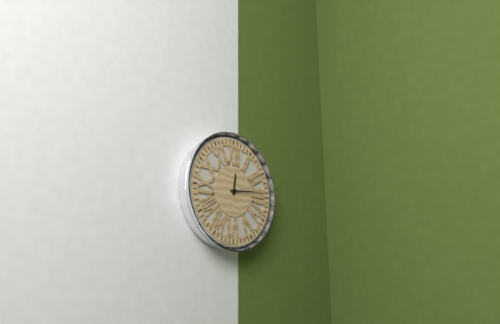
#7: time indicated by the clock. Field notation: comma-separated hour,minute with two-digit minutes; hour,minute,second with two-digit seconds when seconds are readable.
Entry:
12,14
